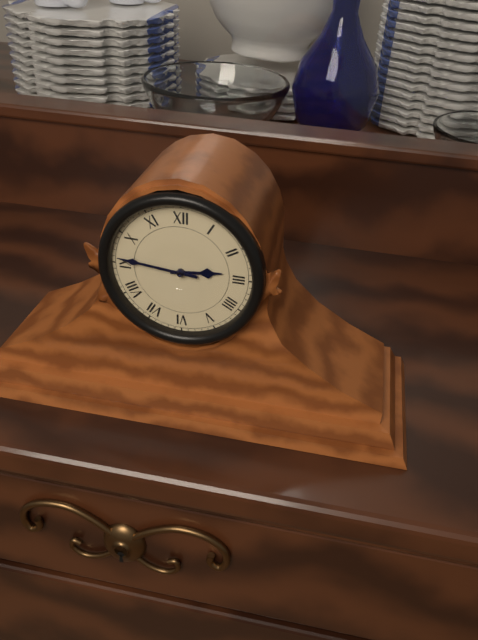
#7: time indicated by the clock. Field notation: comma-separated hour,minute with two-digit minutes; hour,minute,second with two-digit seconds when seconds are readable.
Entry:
2,46
